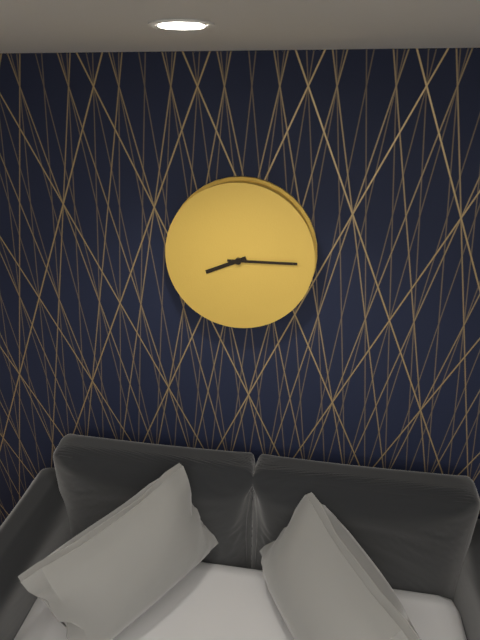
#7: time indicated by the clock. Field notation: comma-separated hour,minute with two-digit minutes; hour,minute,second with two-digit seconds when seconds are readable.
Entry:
8,15
